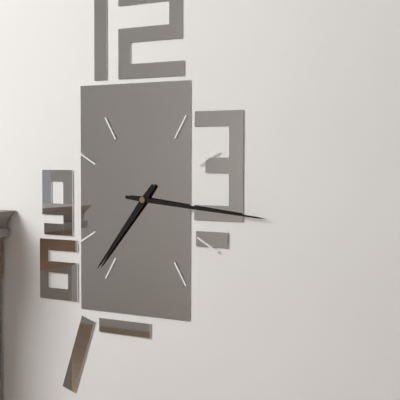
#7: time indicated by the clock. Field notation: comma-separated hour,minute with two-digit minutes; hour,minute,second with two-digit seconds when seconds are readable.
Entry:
7,16
